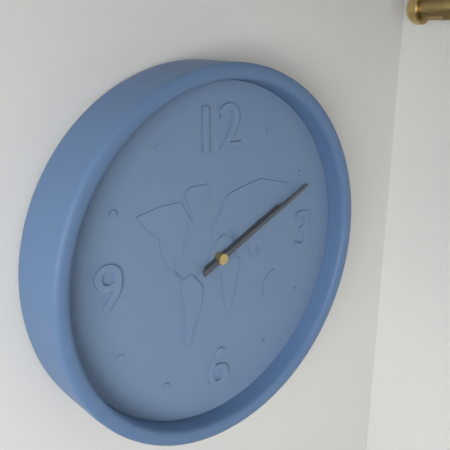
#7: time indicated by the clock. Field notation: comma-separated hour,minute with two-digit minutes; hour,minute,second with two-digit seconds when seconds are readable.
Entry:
2,11
